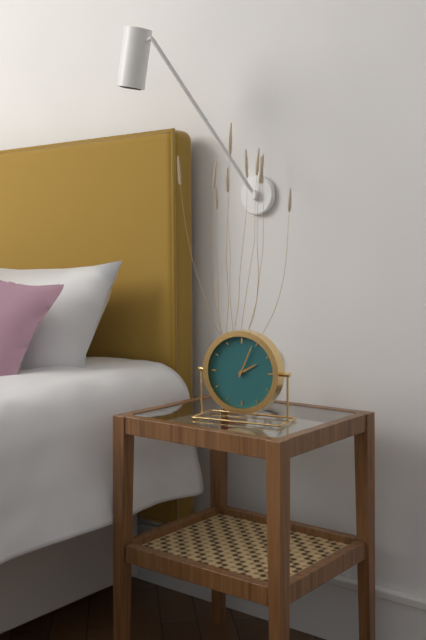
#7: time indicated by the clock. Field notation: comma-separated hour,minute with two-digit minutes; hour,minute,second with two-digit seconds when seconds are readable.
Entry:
2,04
